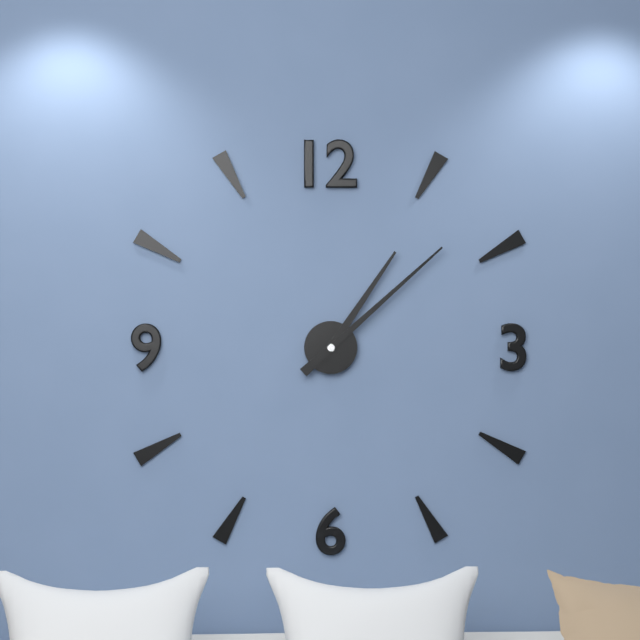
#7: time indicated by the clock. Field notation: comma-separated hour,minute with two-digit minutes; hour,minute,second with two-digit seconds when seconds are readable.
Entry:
1,08
